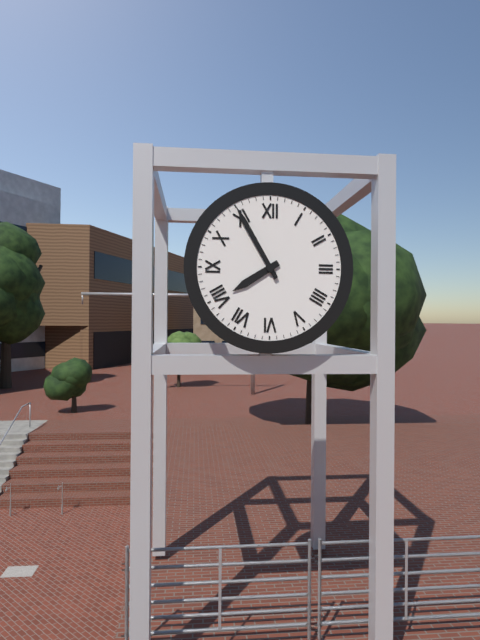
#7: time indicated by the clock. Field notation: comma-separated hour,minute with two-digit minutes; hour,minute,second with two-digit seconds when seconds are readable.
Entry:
7,55
